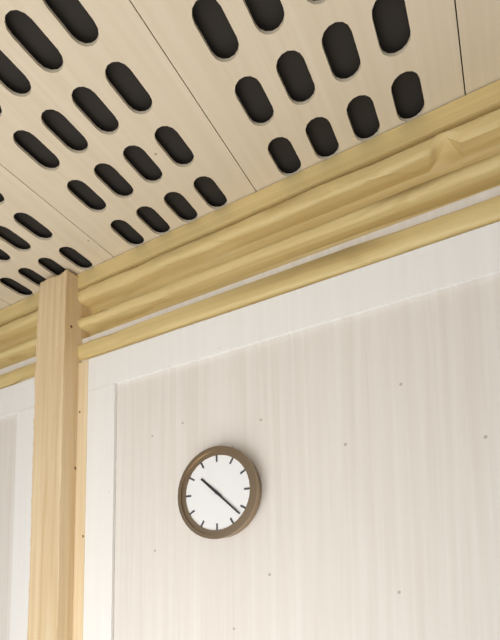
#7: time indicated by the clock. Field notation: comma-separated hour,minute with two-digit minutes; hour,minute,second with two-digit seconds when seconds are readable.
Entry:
10,22
